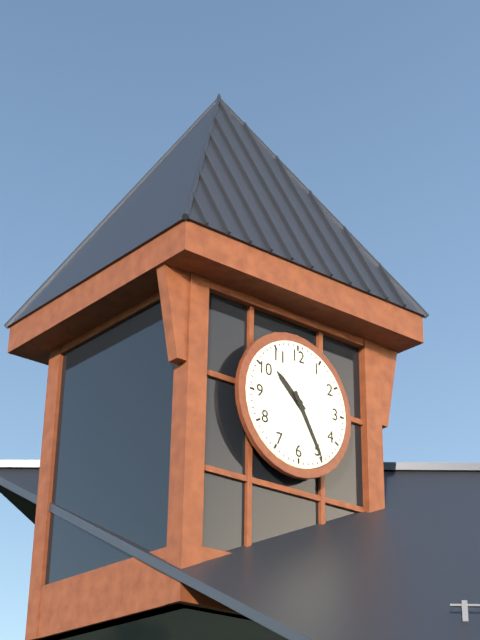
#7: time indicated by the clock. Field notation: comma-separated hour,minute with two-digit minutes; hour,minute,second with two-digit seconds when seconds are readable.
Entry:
10,25
